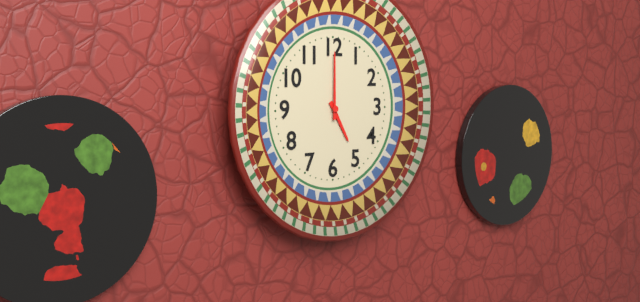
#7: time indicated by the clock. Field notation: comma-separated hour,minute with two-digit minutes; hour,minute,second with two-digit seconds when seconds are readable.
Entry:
5,00
